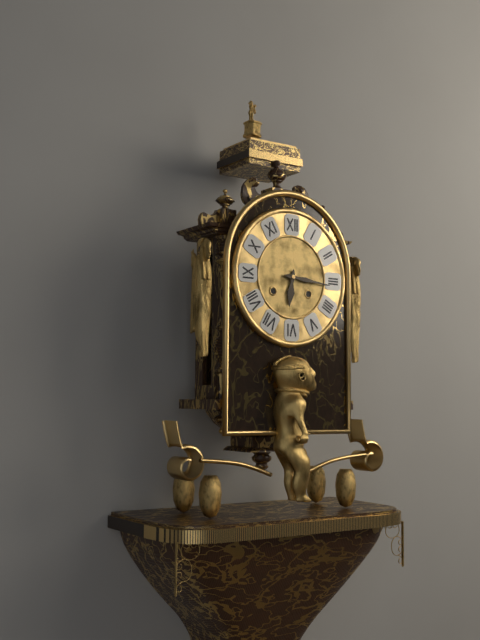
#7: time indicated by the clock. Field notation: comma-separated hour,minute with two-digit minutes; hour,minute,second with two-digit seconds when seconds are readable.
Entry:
6,16
